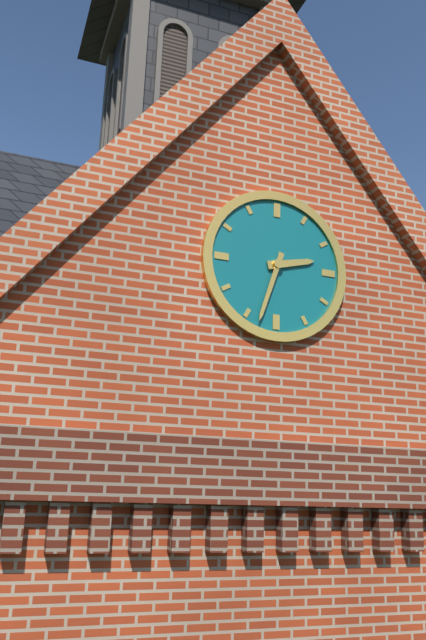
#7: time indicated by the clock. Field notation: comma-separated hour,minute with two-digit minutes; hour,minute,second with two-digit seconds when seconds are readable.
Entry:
2,33
